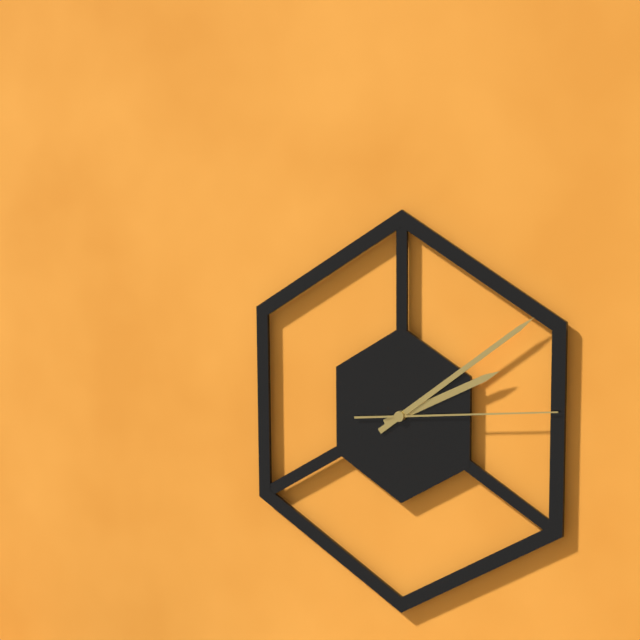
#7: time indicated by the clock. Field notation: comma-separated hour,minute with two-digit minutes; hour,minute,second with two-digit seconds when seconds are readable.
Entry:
2,09,14
